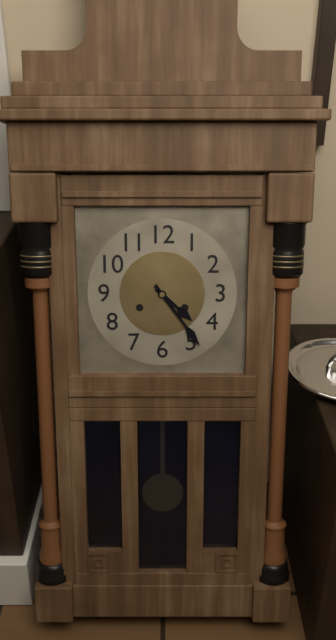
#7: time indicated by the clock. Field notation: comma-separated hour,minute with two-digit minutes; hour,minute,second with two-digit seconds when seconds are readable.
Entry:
4,24
